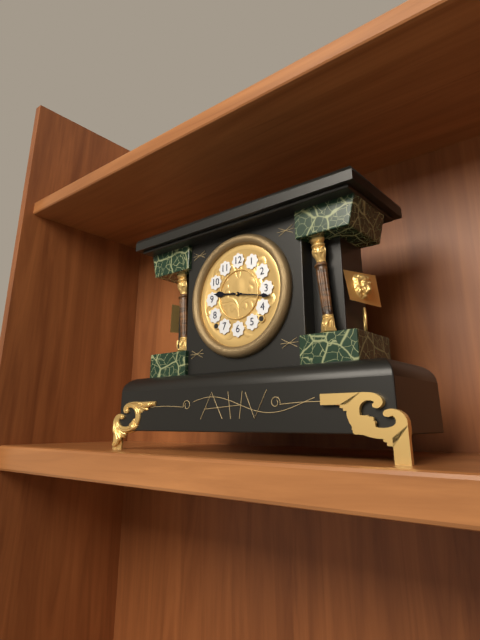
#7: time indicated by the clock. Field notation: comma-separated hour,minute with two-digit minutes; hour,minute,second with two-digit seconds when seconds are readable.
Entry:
9,17
